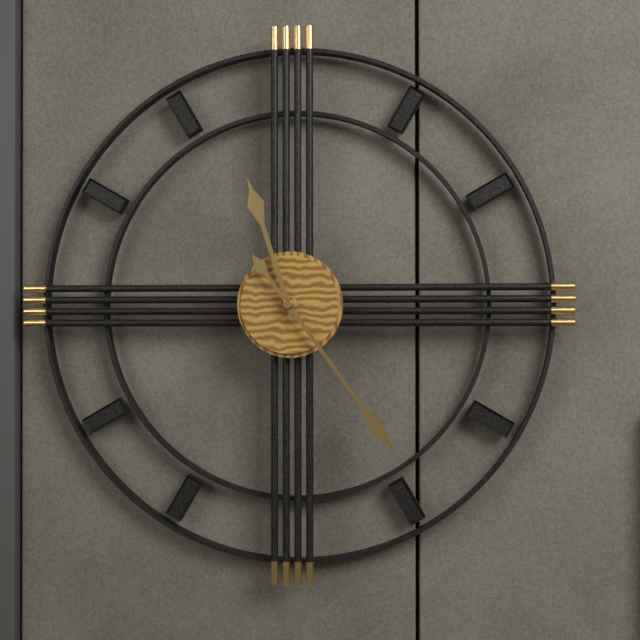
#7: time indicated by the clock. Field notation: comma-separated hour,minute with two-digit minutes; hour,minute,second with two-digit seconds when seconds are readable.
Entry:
11,24
